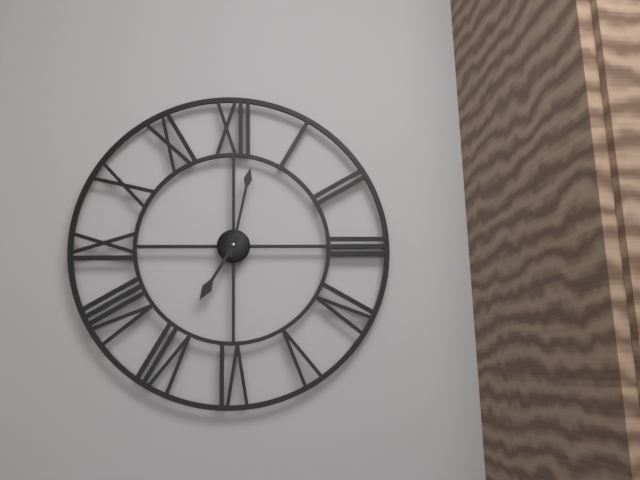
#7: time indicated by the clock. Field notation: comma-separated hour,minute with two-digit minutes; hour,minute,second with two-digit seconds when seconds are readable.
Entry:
7,02
